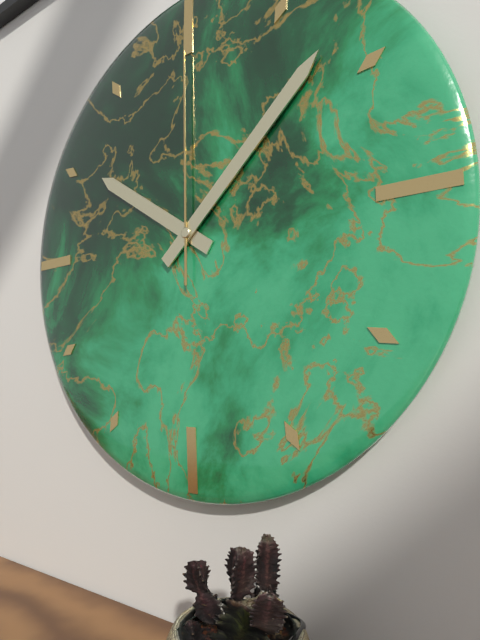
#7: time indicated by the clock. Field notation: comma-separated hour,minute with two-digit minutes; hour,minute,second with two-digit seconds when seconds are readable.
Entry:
10,08,00
